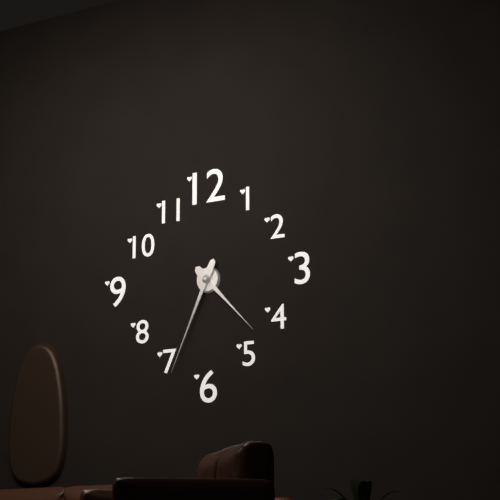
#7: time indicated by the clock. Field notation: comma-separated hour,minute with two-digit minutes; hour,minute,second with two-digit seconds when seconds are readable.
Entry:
4,34
